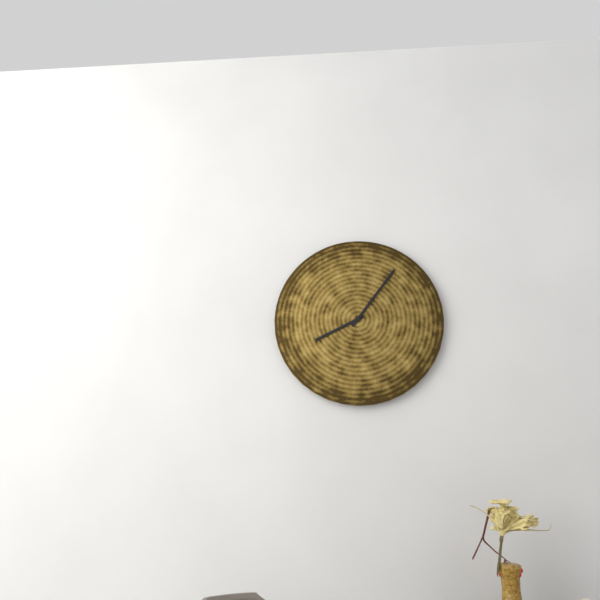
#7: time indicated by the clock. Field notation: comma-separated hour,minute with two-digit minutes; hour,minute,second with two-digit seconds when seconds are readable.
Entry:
8,06
